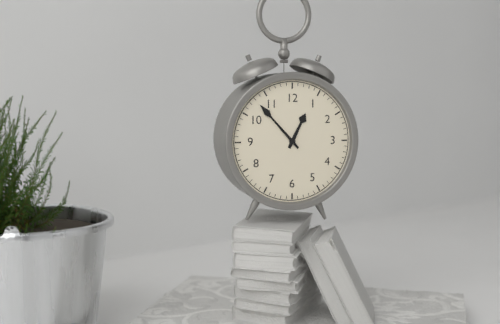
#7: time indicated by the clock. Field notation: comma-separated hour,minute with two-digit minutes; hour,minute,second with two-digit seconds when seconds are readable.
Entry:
12,53
